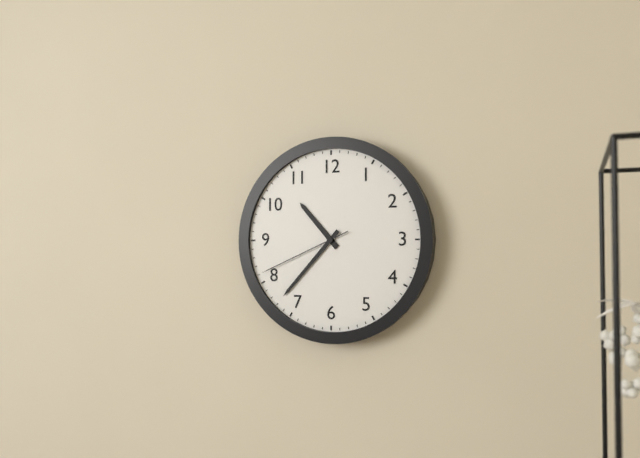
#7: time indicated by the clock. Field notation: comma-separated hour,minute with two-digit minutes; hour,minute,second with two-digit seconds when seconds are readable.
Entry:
10,37,41
